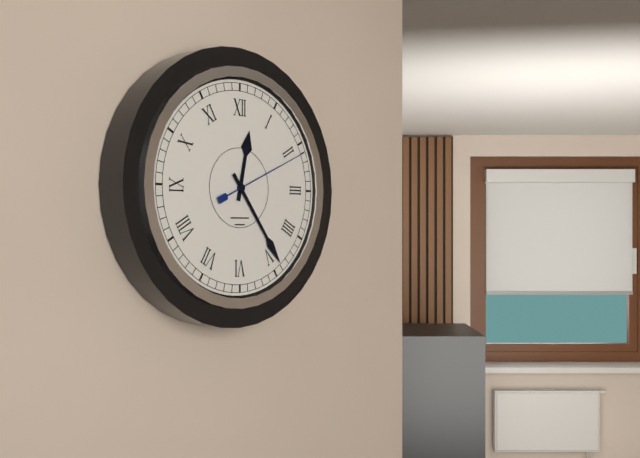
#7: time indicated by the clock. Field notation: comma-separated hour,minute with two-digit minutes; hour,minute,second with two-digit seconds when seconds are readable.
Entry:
12,24,11
